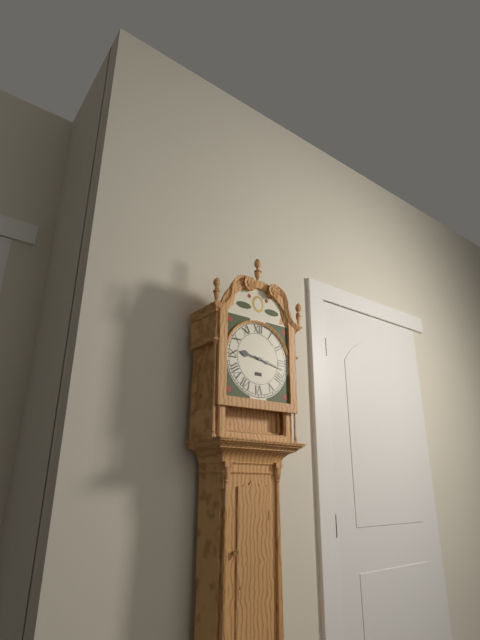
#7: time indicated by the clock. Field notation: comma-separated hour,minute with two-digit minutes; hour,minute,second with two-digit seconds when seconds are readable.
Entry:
9,17
